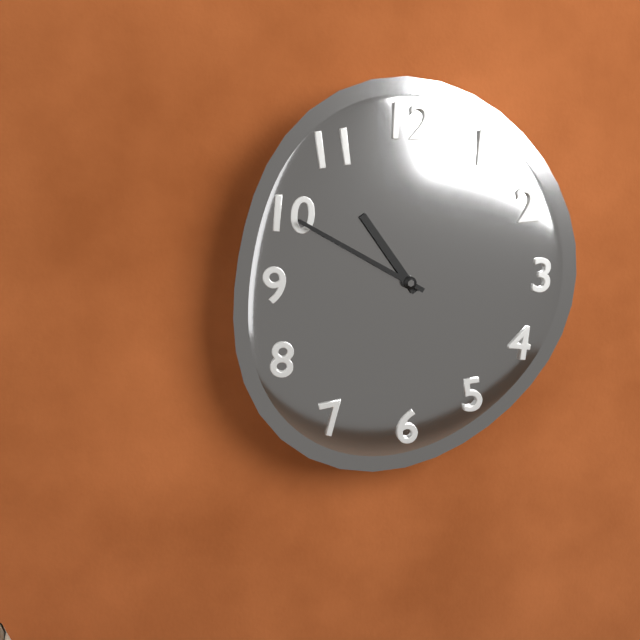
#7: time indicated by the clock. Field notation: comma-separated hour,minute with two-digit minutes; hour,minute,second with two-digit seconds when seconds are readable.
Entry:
10,50
